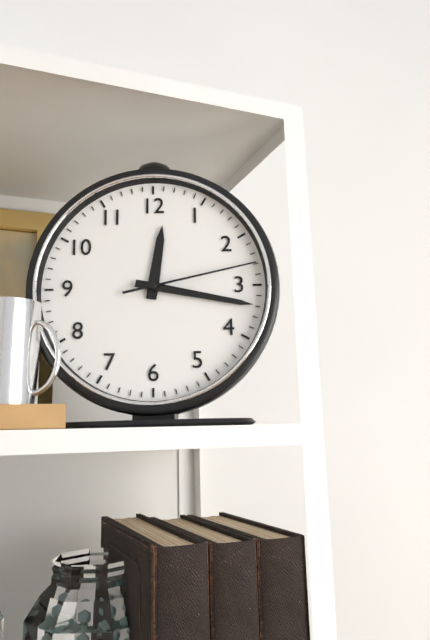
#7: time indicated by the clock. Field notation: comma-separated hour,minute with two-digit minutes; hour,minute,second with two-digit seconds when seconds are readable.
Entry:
12,17,13
